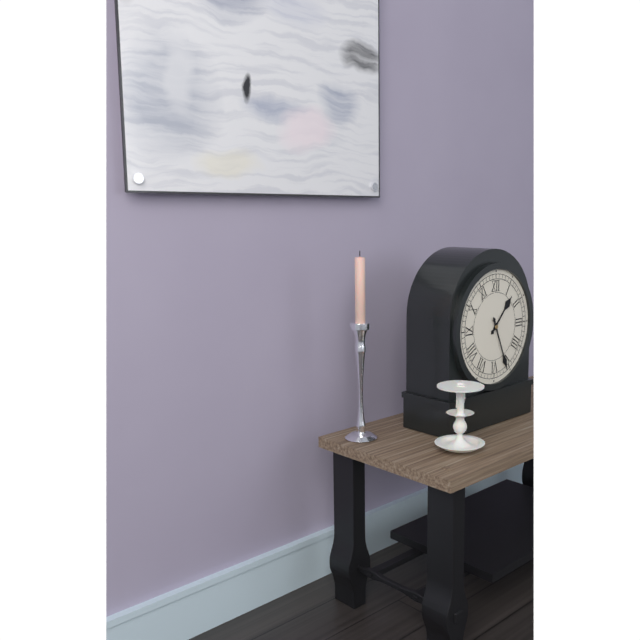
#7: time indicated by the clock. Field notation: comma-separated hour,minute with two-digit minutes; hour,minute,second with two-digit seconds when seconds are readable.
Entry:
1,26
